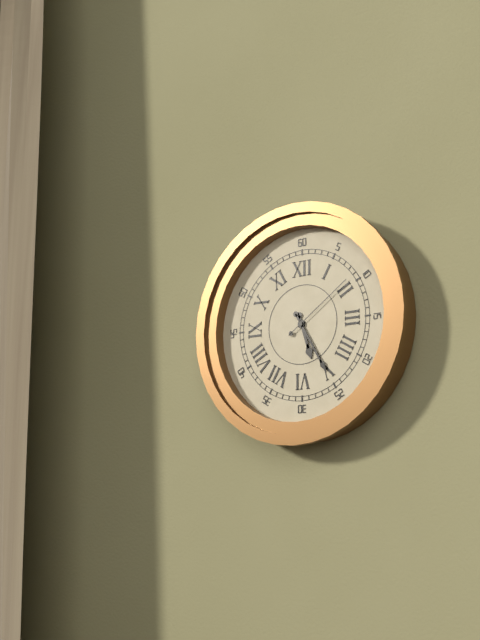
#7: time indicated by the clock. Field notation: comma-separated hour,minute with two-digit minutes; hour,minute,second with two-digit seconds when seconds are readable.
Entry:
5,25,09
